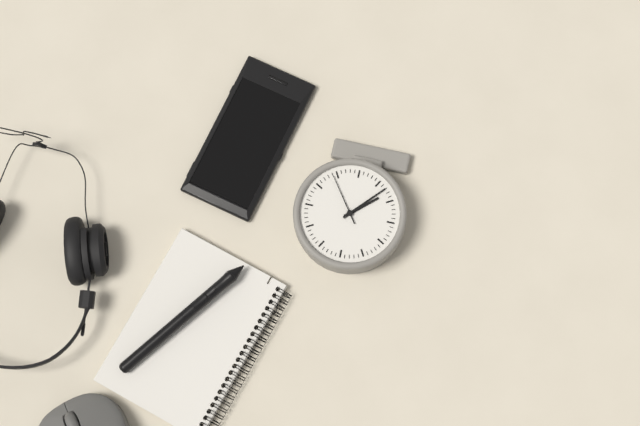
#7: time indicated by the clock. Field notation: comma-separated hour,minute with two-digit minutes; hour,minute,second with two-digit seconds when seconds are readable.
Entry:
7,37,24
